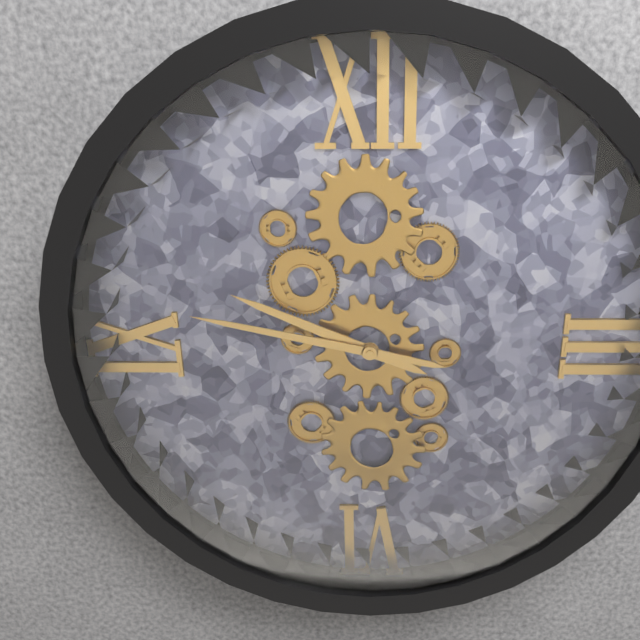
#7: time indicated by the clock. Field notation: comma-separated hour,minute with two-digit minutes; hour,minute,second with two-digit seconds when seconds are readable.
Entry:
9,47
